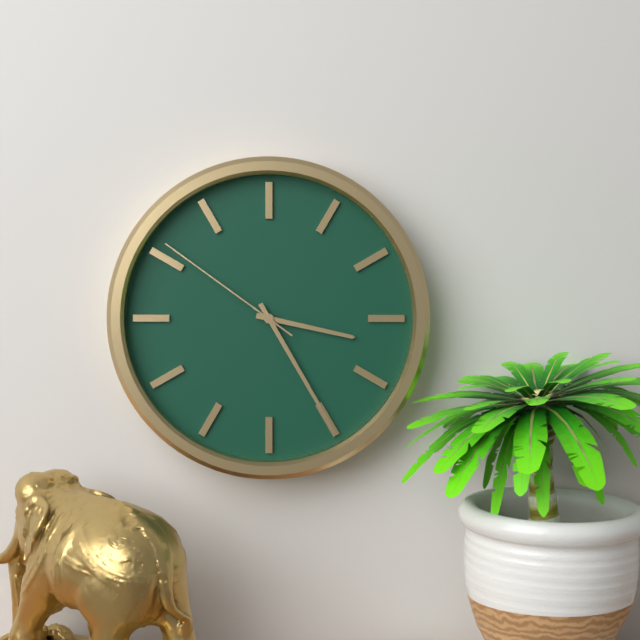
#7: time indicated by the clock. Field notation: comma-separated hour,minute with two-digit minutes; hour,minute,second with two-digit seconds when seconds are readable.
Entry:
3,25,51
